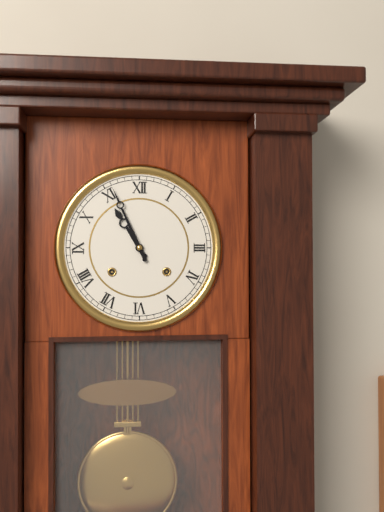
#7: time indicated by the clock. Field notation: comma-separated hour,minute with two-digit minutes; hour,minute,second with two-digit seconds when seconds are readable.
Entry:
10,56
